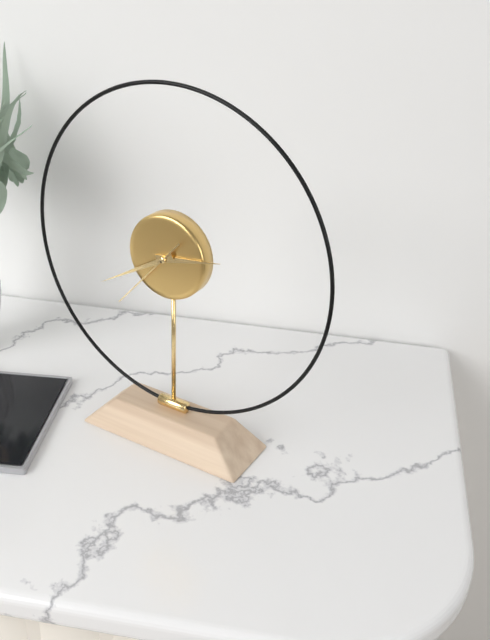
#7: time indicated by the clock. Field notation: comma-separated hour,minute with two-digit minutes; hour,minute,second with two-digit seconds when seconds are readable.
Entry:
2,40,37
